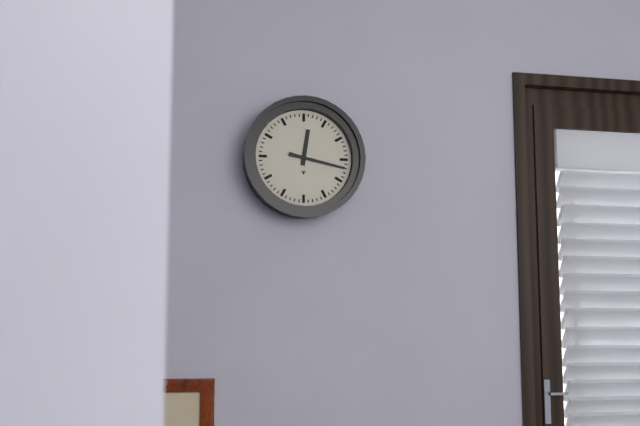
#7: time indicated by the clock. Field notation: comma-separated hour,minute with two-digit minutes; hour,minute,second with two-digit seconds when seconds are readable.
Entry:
12,17
